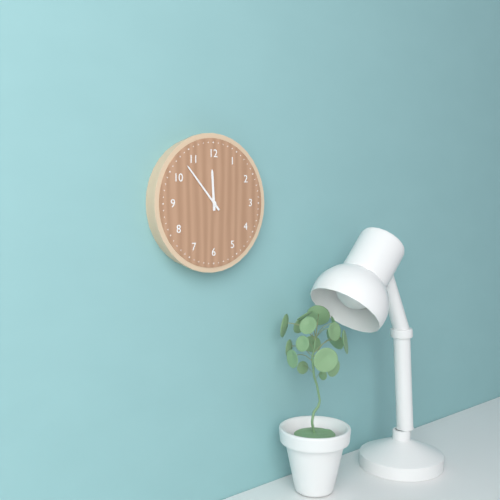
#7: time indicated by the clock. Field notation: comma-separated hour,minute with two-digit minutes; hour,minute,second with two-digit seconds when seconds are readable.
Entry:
11,53
